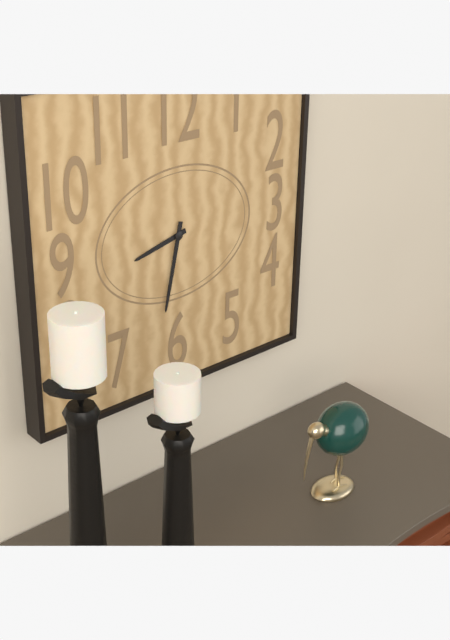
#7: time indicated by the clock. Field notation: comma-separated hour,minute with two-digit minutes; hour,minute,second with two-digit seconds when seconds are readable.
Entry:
8,32
